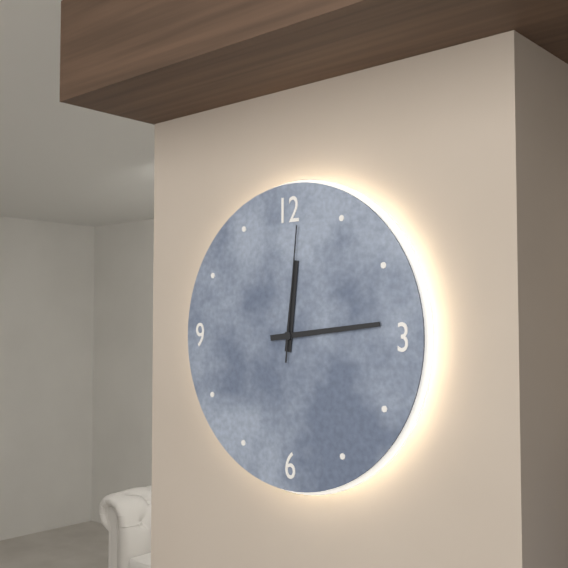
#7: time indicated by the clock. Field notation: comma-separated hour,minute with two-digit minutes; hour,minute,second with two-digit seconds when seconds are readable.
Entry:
12,14,01
